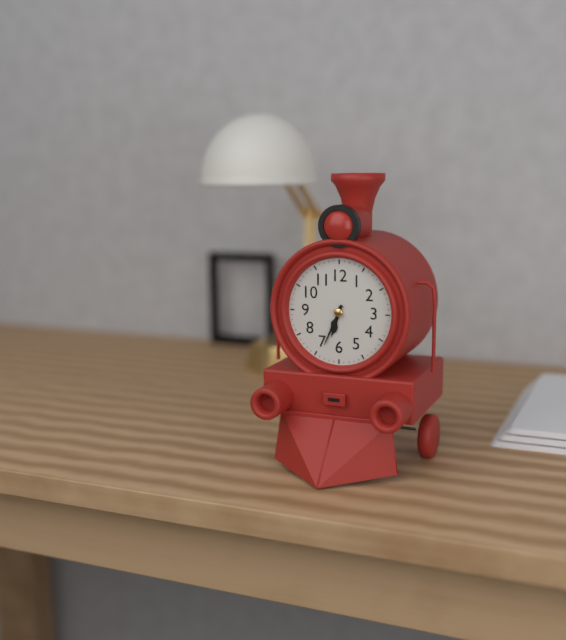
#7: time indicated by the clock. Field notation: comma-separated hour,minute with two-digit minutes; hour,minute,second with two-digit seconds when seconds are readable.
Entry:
6,34
